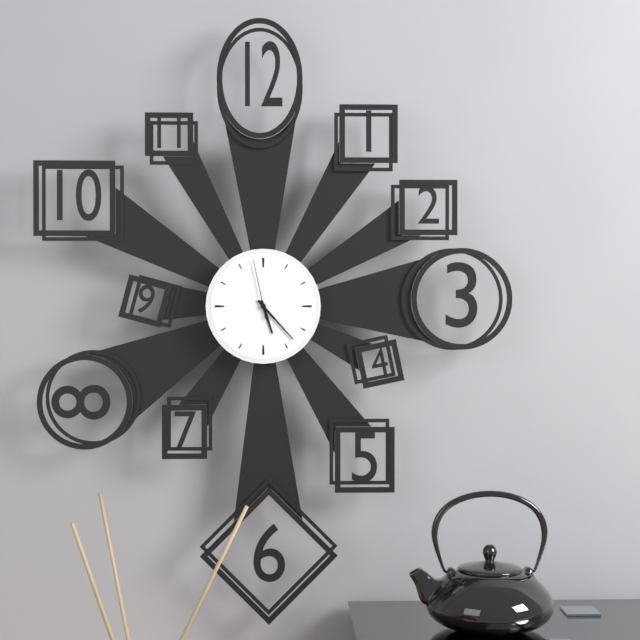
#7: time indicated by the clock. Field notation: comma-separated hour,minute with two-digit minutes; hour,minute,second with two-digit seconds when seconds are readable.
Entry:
5,23,58
